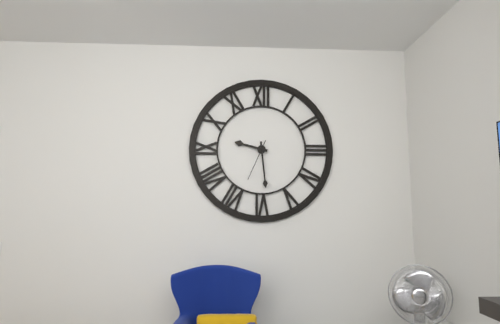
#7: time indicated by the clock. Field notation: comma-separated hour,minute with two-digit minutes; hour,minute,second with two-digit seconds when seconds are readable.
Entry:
9,29
